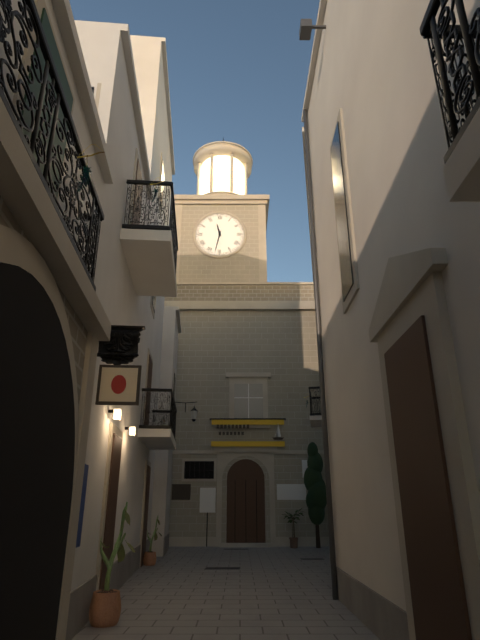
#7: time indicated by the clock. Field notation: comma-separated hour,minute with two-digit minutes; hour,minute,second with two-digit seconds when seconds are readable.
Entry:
11,32
